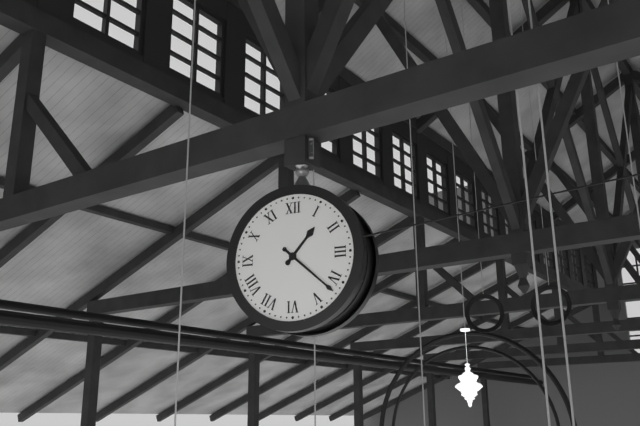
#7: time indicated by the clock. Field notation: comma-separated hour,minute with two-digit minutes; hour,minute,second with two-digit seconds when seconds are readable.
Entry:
1,22
